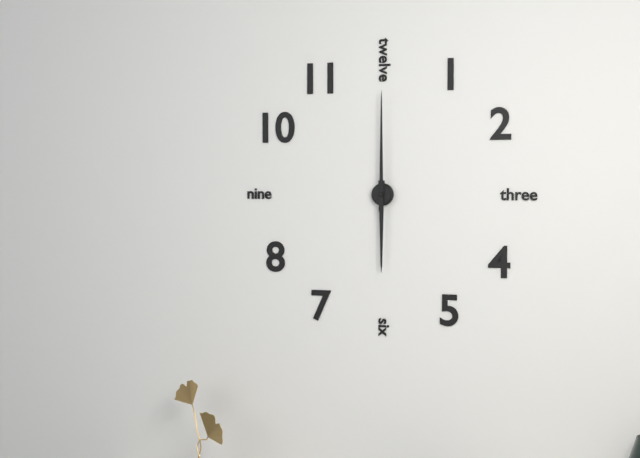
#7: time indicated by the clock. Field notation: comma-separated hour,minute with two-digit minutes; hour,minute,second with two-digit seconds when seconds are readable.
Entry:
6,00
